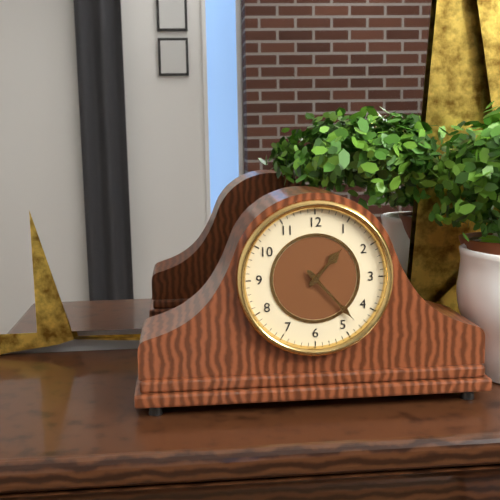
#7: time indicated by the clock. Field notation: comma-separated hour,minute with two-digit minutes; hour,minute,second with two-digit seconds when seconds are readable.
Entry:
1,23
